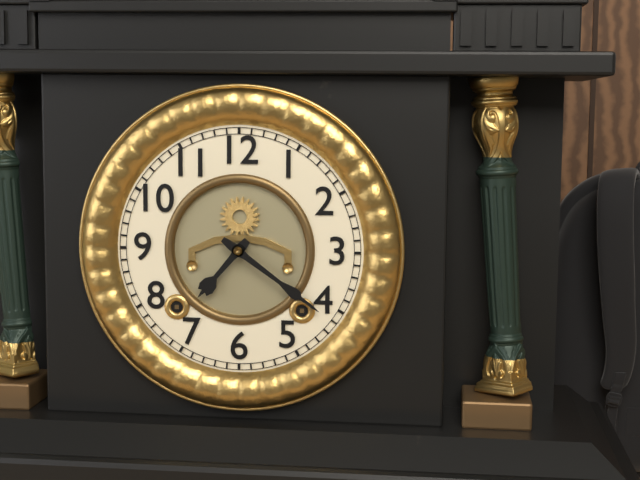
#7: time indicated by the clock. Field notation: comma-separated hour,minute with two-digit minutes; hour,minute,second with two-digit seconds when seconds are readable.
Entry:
7,21
